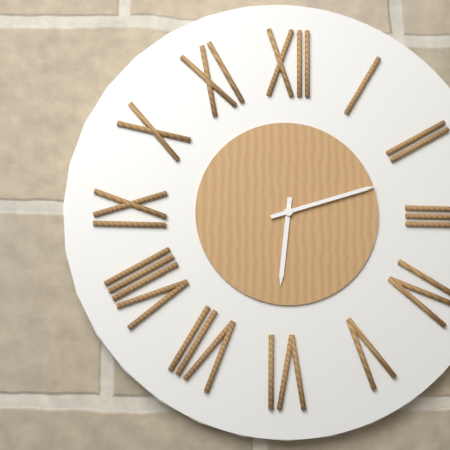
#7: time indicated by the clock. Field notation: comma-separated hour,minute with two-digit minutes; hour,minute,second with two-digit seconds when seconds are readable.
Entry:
6,12
